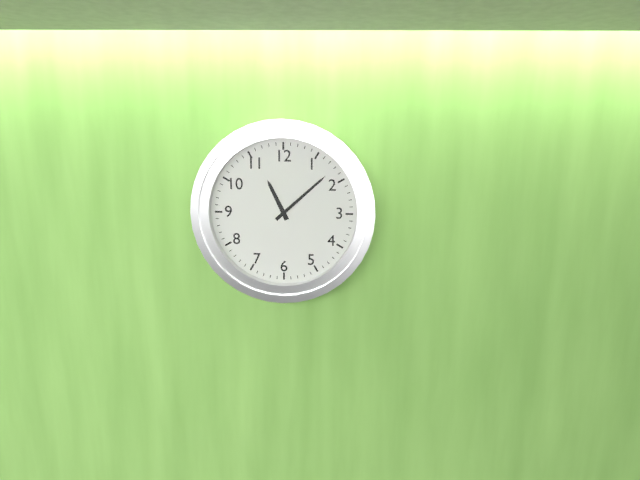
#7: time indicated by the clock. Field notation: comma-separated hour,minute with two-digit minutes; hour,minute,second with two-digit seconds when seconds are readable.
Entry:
11,08
